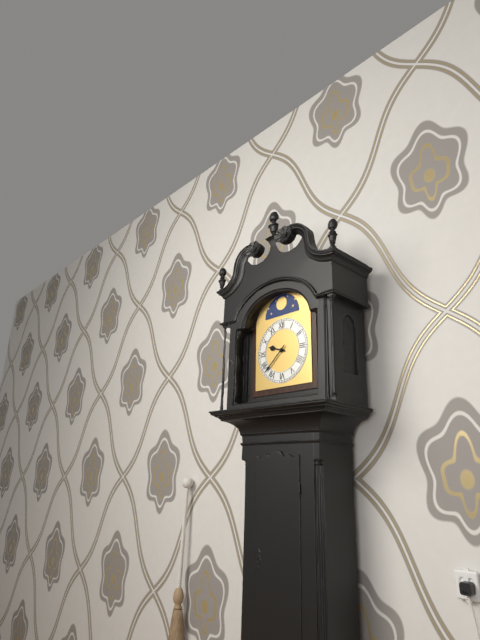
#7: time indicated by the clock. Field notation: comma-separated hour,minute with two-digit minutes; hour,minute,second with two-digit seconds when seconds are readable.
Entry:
9,38
